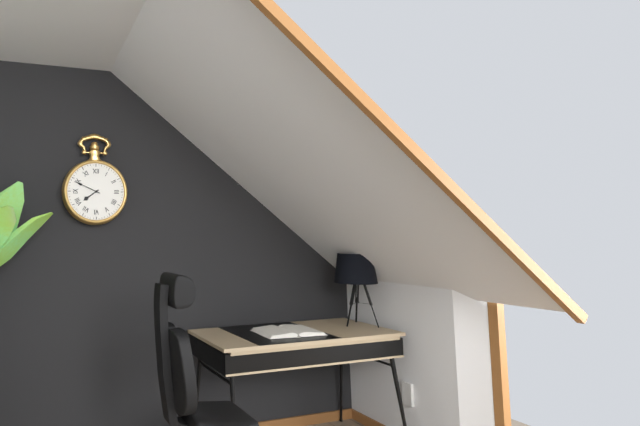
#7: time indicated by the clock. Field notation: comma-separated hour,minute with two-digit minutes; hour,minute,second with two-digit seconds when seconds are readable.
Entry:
7,49
